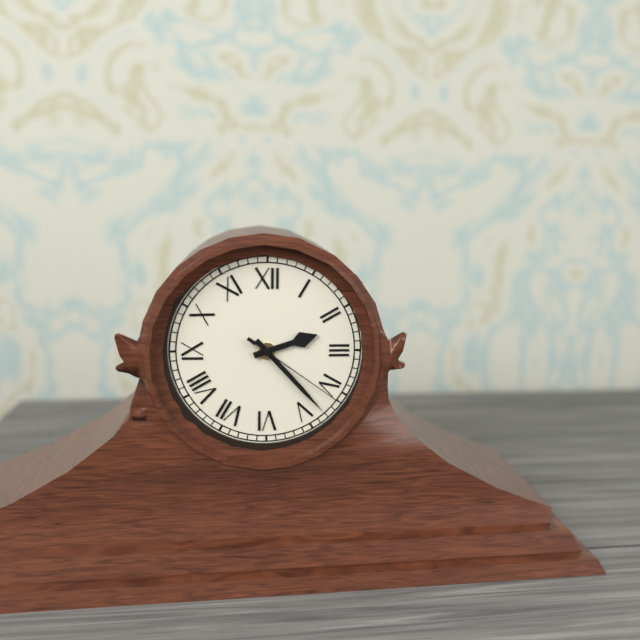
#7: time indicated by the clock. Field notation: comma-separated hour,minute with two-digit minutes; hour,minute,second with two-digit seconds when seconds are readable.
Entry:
2,23,21
